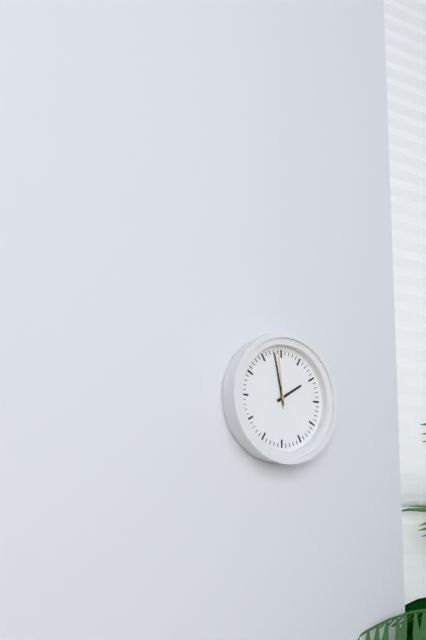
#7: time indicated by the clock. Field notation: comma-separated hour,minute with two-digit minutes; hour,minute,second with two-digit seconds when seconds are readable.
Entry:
1,58,59
